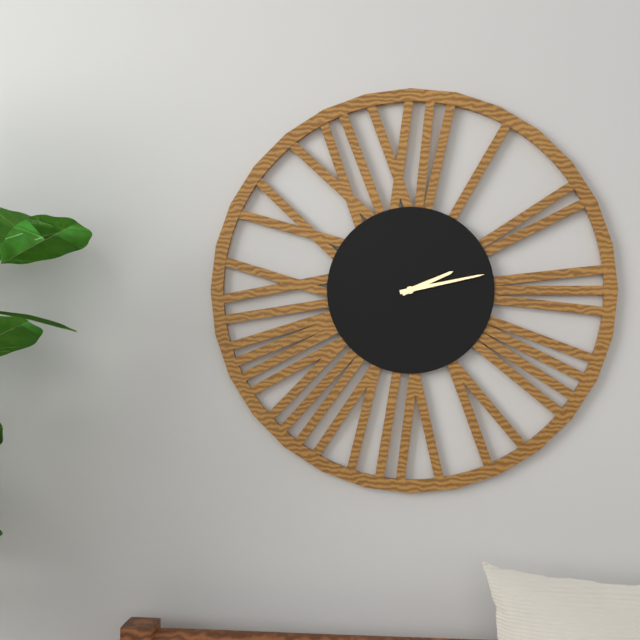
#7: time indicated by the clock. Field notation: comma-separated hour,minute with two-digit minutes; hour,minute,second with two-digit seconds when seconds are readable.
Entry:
2,13
